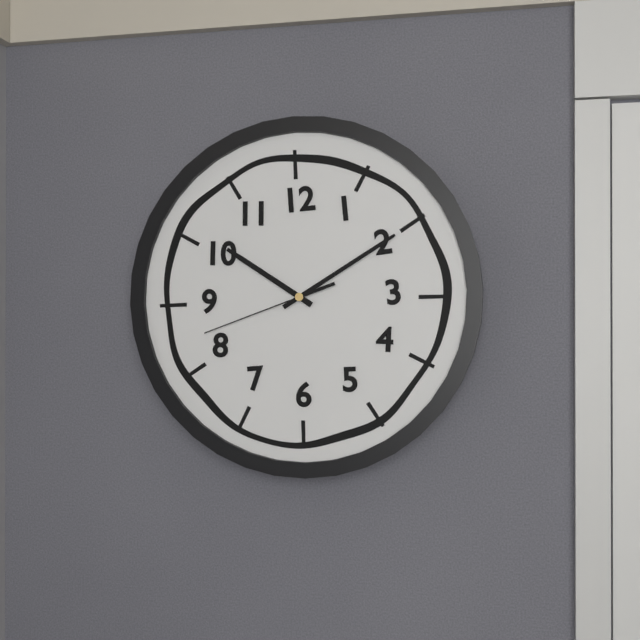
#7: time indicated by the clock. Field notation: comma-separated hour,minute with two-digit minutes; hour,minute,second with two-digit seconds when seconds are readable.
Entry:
10,10,42
